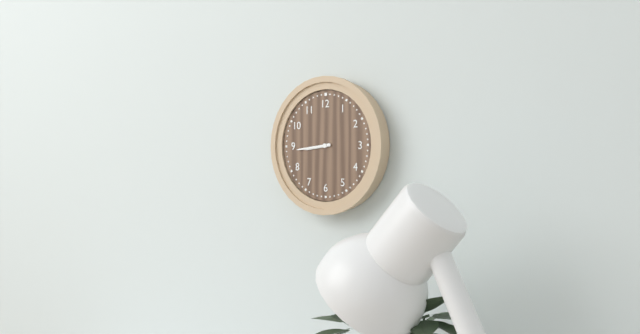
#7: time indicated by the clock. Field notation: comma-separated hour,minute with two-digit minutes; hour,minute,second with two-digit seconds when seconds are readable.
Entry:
8,44
